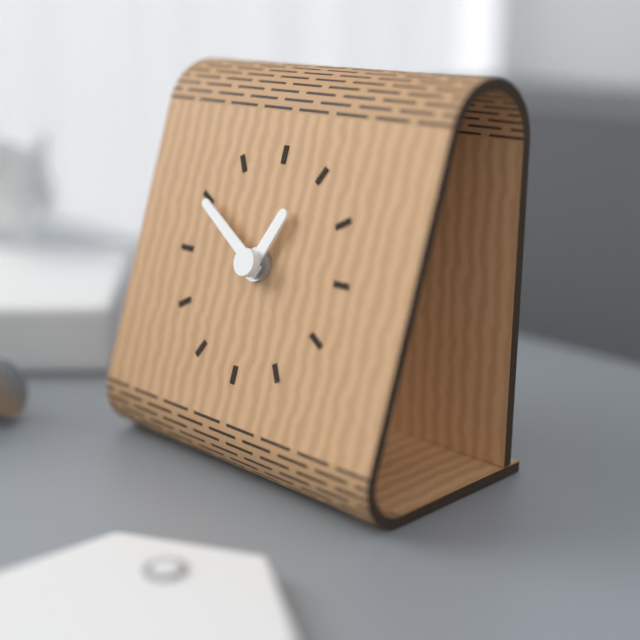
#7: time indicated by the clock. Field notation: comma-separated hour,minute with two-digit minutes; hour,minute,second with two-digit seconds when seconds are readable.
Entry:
12,50
